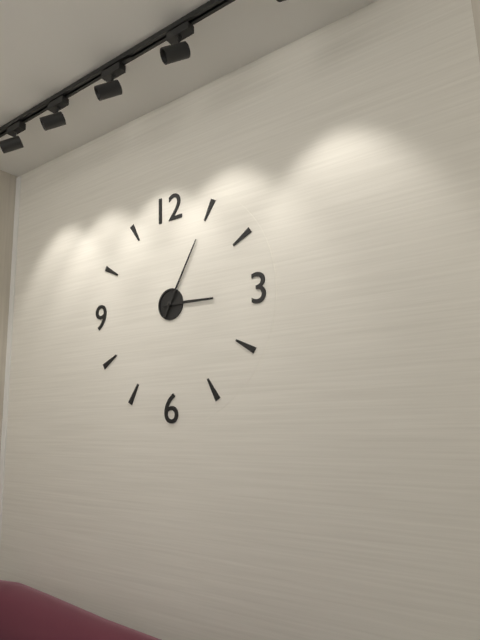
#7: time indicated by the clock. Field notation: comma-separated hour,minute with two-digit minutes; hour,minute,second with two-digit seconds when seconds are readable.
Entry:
3,05
